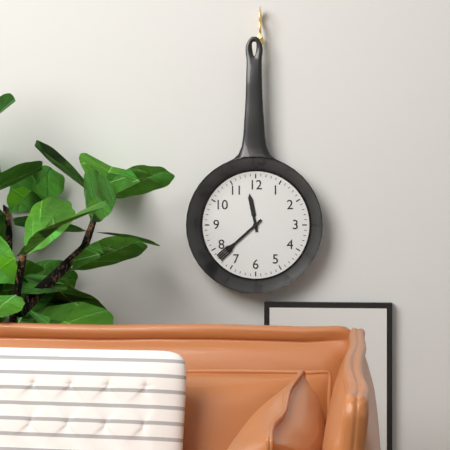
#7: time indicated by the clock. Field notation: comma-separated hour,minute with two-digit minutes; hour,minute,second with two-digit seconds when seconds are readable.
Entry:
11,38
